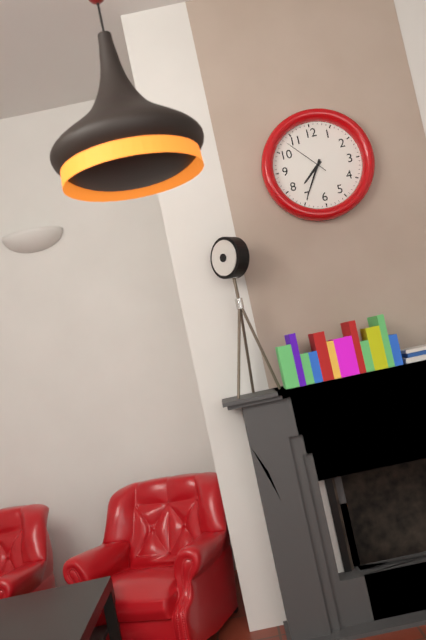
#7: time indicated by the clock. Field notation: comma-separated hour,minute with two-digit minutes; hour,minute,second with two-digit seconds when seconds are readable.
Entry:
7,35
